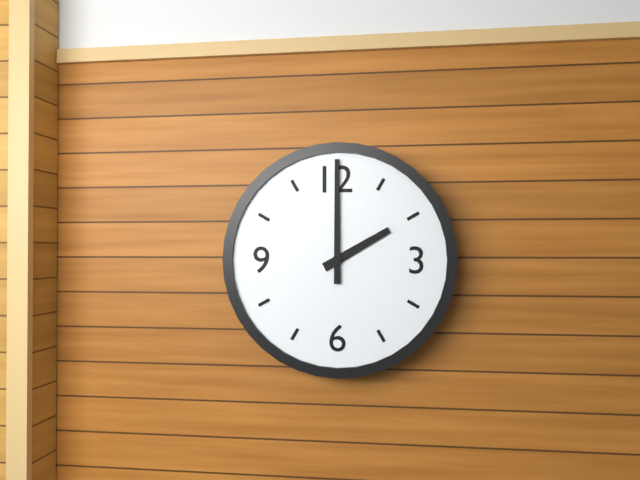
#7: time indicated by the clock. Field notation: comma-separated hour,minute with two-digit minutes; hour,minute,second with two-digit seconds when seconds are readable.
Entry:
2,00
